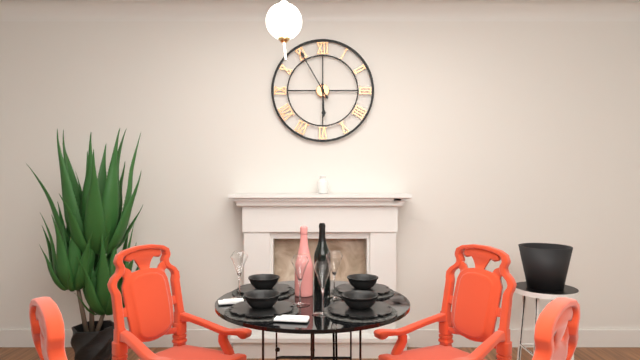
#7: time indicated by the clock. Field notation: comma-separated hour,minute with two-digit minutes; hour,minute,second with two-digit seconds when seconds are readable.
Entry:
5,55
